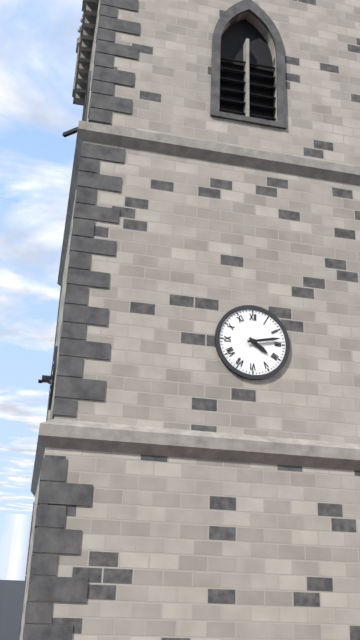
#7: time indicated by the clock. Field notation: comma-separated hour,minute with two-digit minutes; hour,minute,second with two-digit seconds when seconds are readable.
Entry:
4,13
